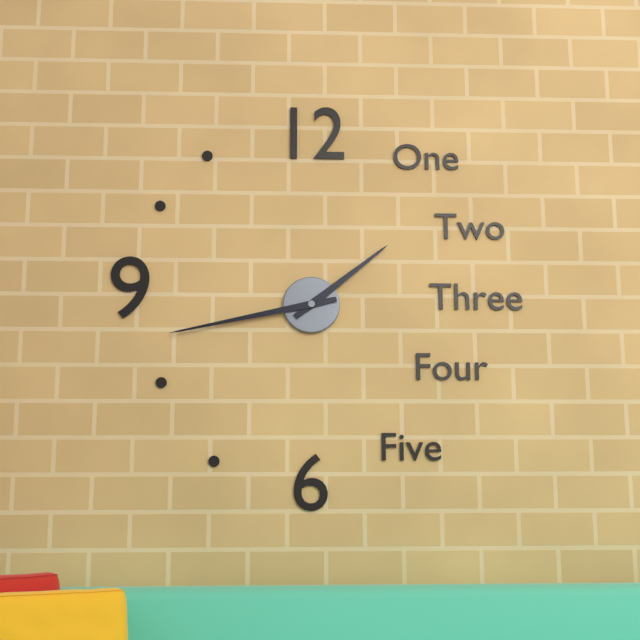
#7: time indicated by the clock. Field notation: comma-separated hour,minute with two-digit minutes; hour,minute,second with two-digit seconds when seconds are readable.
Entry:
1,43
